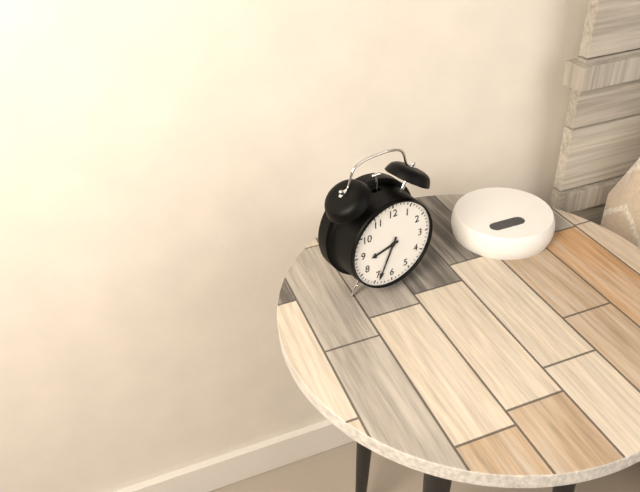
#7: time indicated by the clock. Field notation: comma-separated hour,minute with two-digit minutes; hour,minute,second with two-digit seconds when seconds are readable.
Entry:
8,34
